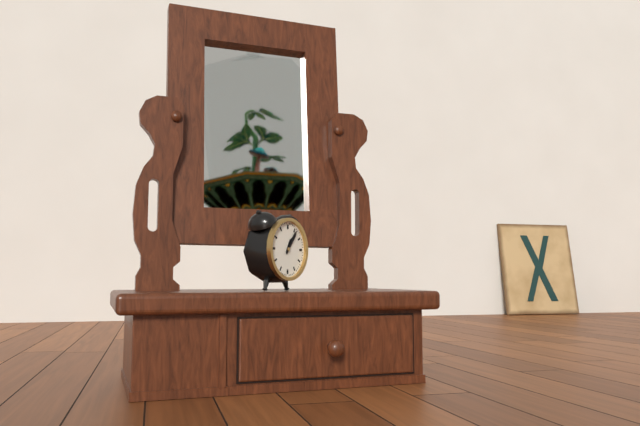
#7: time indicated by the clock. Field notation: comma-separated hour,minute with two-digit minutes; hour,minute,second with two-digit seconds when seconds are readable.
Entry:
1,06
